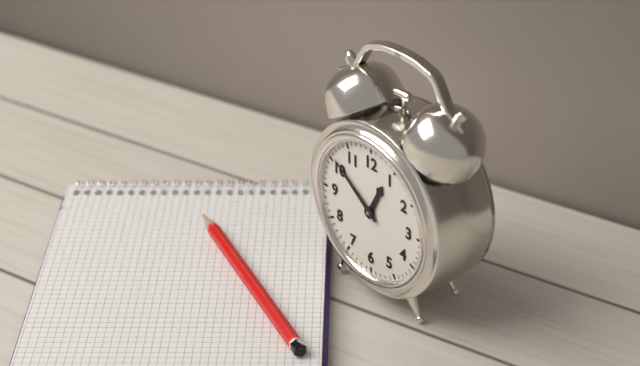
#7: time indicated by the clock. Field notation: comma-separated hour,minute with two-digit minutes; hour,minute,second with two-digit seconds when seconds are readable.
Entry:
12,51
